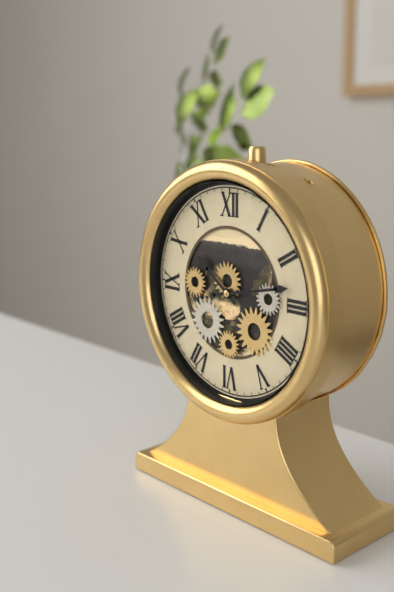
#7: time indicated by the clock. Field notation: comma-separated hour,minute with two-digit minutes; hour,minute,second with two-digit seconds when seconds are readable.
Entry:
10,13
